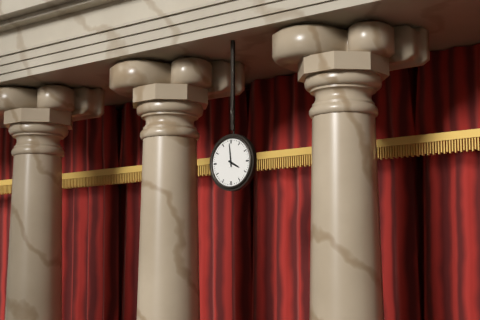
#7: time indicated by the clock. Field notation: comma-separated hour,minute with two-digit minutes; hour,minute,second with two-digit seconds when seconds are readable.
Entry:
3,59
